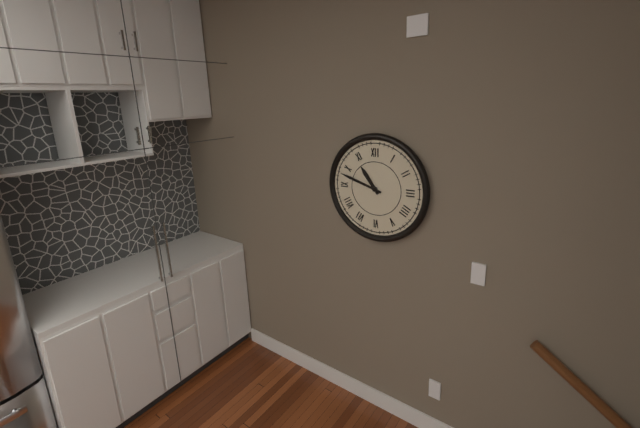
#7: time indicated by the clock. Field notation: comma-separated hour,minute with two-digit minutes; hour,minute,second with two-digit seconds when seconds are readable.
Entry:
10,48
